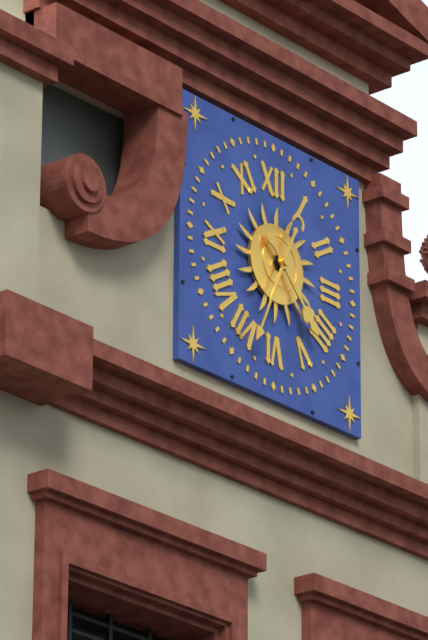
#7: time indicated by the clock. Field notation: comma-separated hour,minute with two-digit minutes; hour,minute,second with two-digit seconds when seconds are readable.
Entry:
4,34
